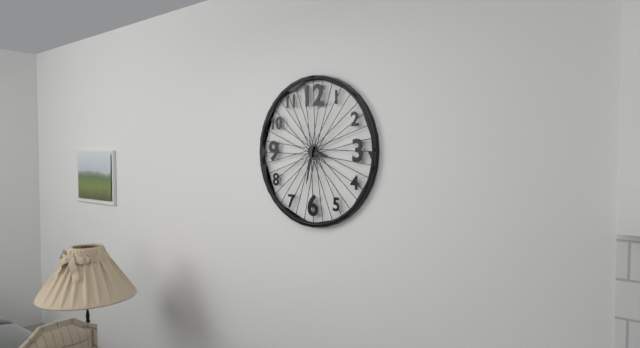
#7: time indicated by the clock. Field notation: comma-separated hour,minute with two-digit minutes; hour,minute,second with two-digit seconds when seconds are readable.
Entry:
3,32
